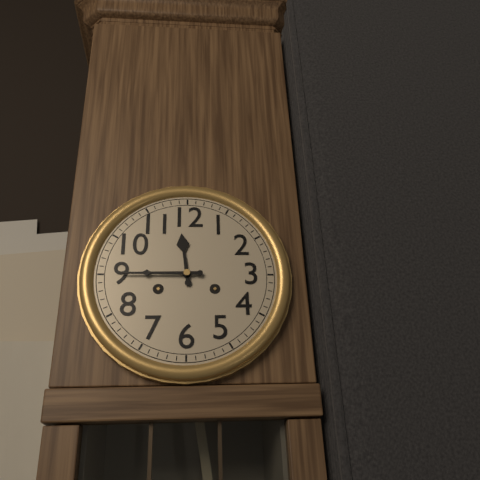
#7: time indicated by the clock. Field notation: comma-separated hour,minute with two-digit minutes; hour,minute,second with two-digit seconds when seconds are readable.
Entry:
11,45
